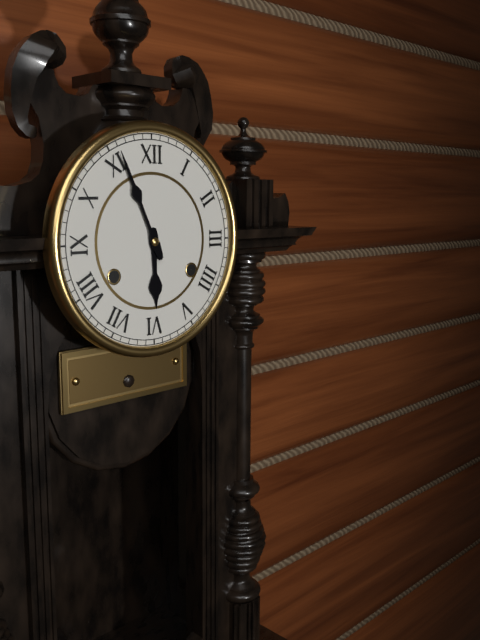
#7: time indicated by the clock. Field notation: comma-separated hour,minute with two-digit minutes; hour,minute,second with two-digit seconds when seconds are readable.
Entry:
5,56
